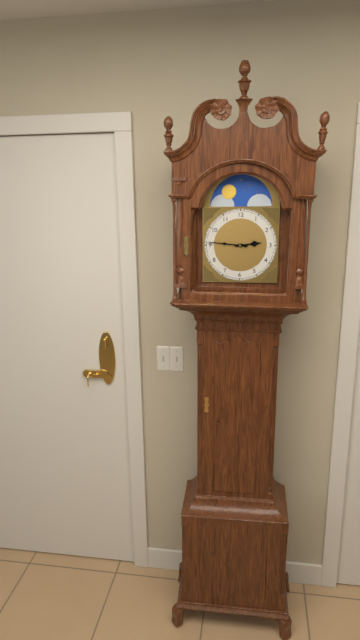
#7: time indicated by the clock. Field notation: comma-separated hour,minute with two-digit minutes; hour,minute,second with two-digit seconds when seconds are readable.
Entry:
2,46
